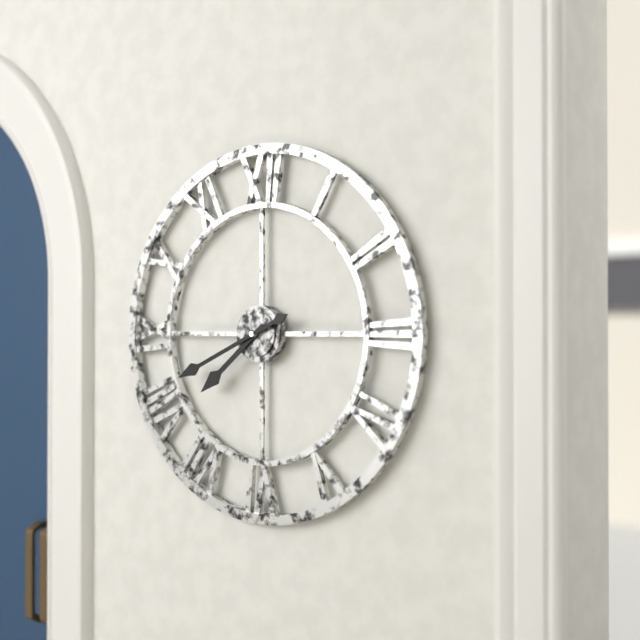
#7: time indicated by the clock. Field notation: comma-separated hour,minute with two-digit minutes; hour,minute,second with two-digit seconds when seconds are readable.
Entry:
7,41
